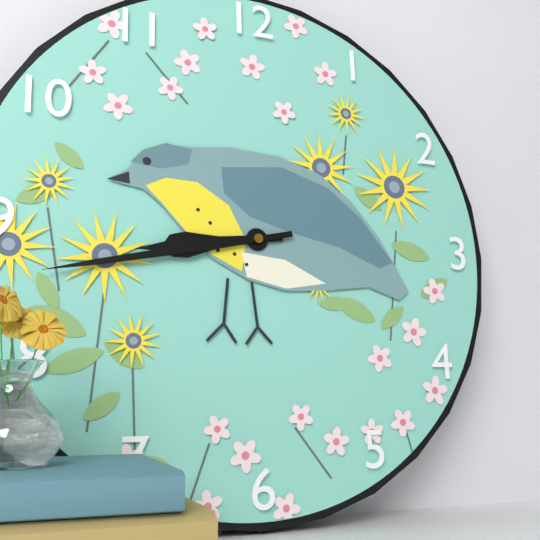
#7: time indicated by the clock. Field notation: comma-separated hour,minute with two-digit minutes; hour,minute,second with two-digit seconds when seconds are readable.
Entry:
8,43
